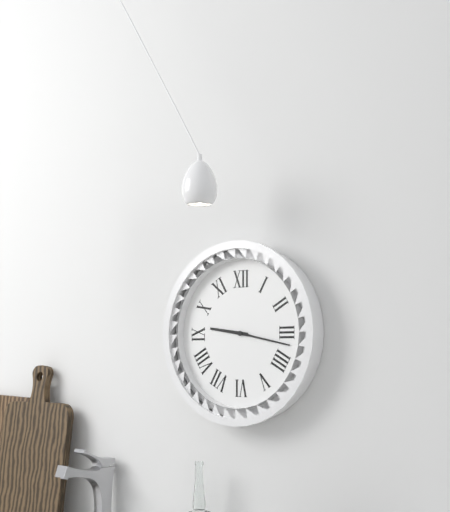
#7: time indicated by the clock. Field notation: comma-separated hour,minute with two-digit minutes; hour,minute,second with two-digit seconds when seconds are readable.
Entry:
9,17
